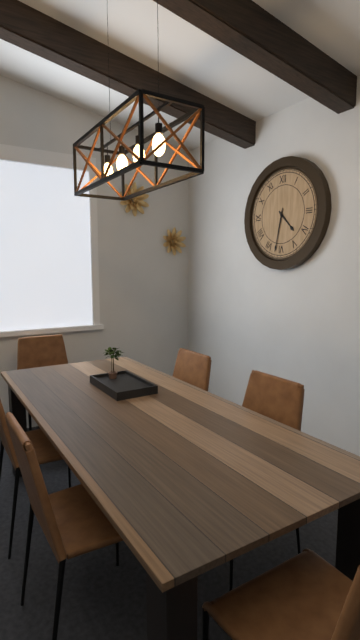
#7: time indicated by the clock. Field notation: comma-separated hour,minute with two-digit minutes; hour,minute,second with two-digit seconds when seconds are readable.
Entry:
4,32
